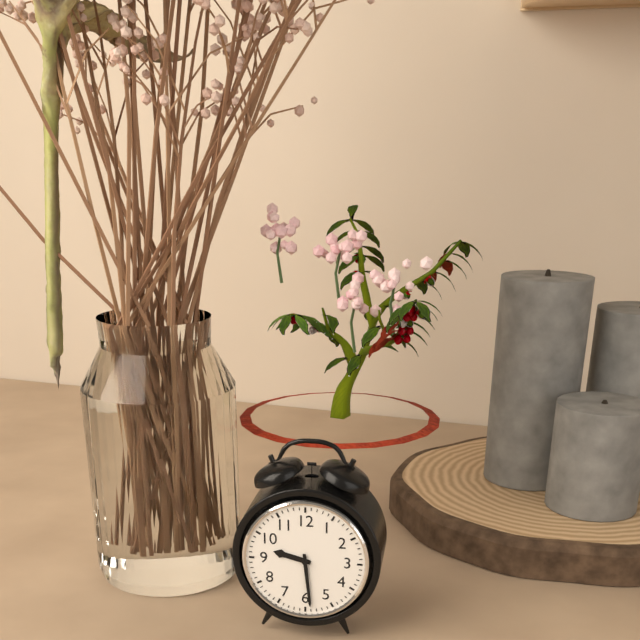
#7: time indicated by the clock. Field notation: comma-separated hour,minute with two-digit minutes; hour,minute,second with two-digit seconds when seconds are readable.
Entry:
9,29
